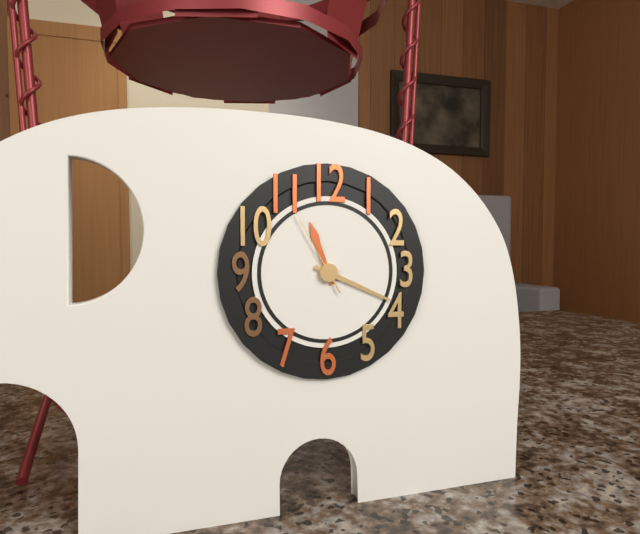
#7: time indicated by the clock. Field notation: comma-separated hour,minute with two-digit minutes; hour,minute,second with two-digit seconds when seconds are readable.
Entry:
11,19,55
